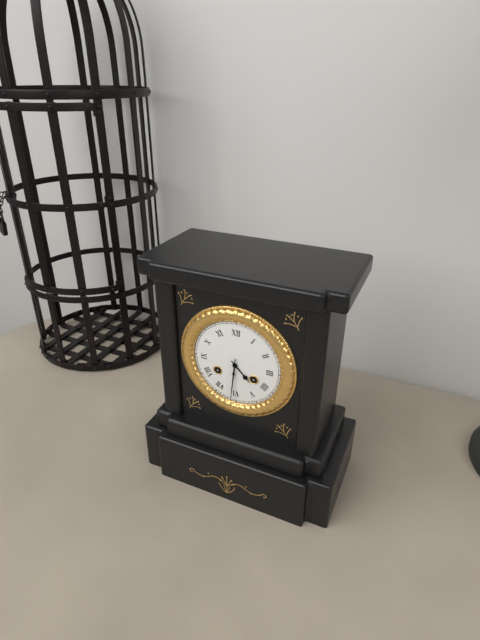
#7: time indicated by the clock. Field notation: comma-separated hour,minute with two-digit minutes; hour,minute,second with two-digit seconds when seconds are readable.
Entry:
4,31
